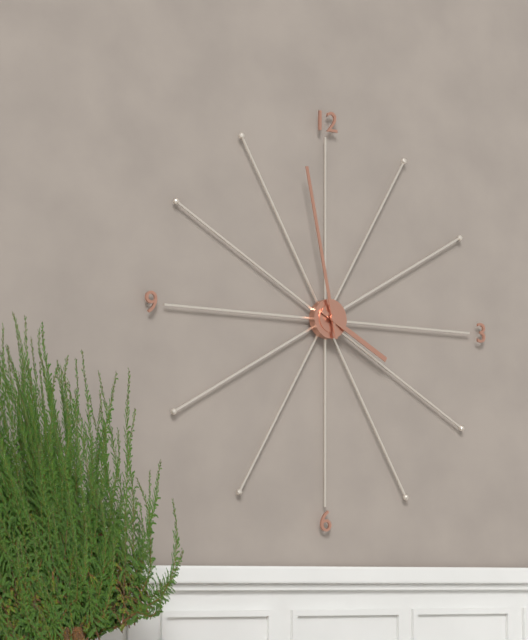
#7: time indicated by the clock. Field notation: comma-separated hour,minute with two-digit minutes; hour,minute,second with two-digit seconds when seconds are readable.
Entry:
3,58
